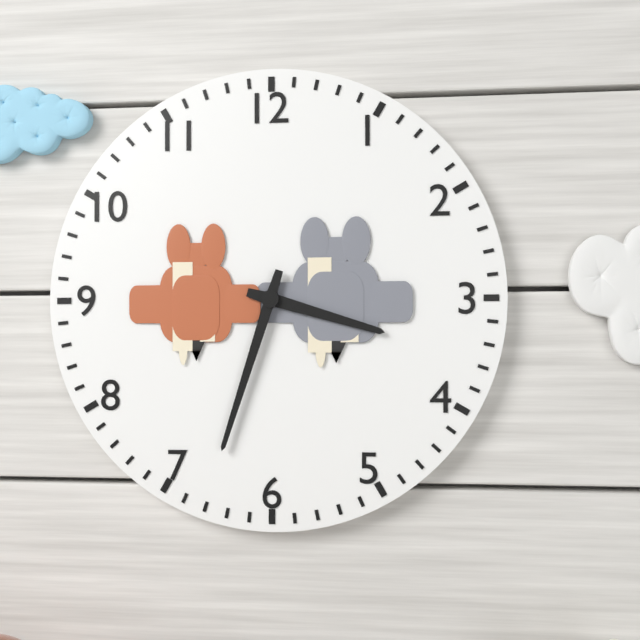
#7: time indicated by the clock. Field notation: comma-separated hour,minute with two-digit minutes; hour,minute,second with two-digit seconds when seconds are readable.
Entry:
3,33
